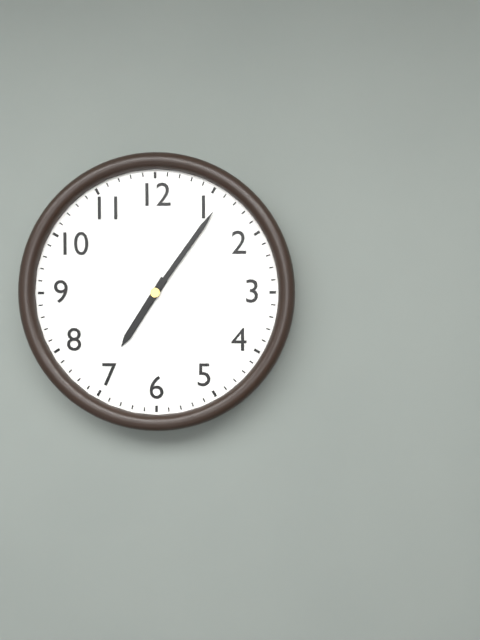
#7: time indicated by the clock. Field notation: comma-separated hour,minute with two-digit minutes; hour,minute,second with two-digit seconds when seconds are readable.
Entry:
7,06
